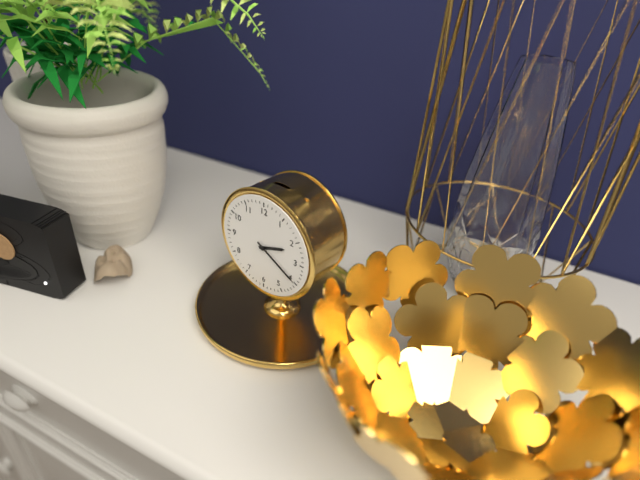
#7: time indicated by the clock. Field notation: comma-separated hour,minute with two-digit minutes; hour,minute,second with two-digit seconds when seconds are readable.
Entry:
2,20
